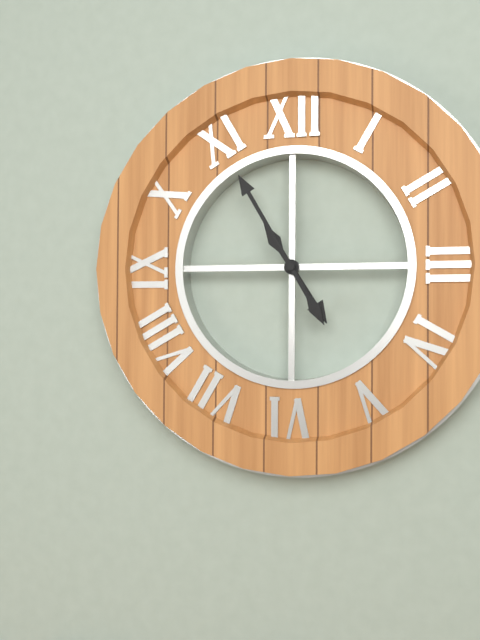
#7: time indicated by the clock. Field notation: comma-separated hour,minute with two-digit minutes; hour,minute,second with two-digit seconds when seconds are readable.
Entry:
4,55
